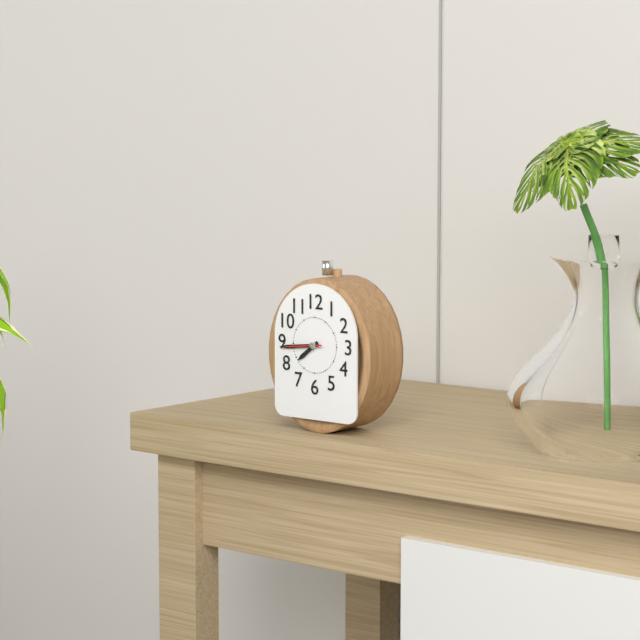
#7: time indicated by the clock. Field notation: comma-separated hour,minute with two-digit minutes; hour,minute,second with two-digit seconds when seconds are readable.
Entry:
7,44
